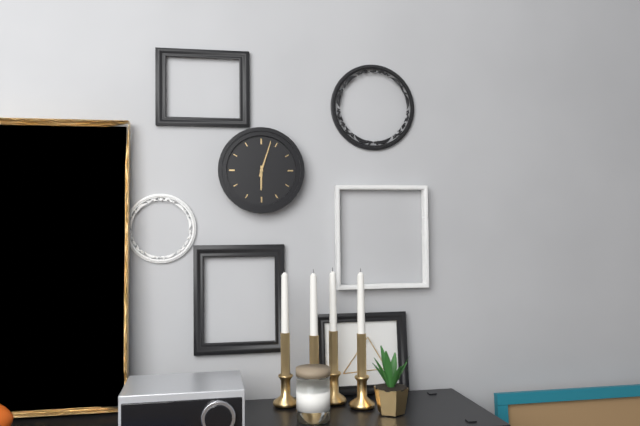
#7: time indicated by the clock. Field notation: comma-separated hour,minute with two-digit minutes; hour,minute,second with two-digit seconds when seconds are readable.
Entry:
6,03
